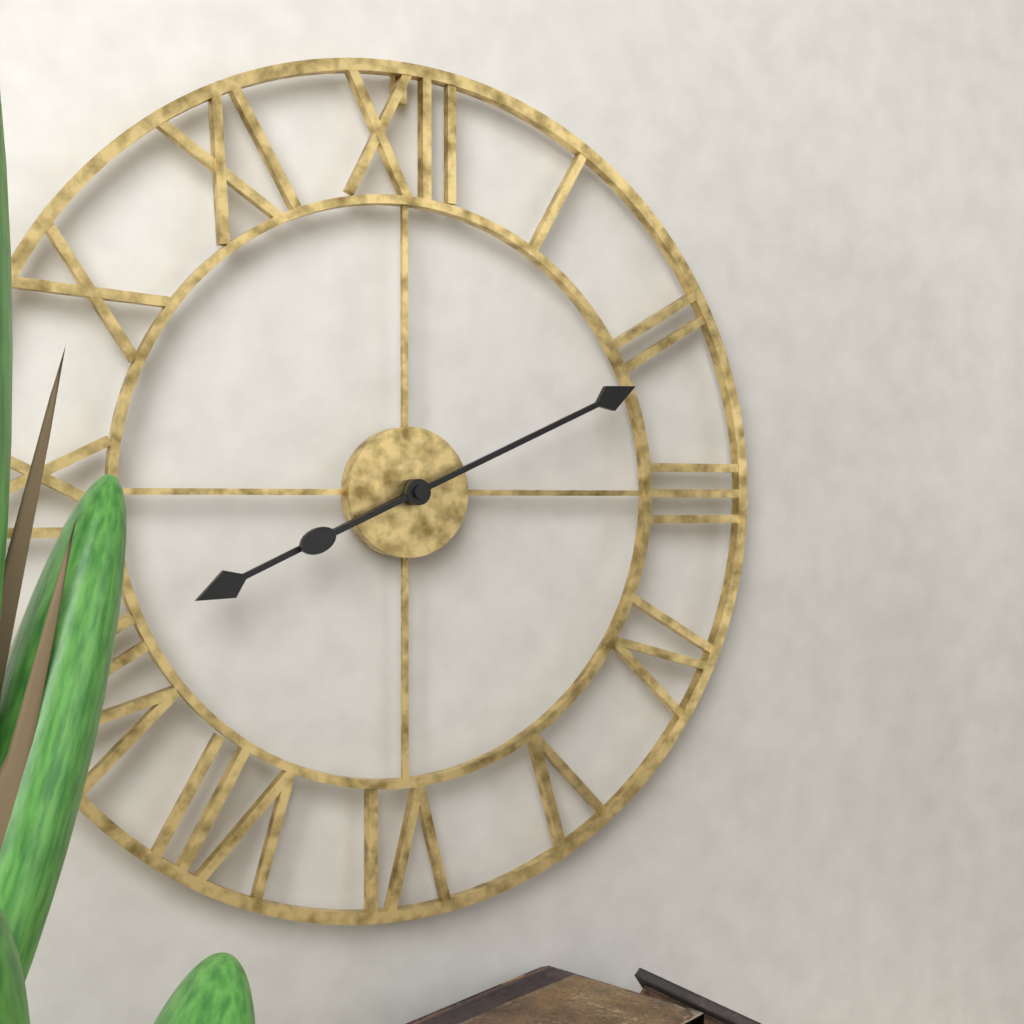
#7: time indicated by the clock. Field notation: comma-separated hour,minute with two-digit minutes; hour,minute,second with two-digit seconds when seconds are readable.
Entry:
8,11
